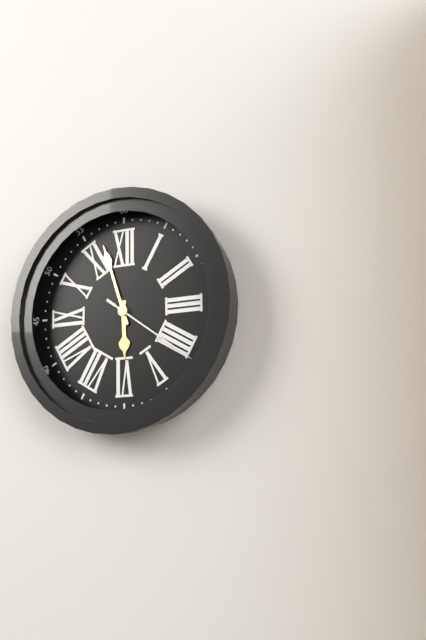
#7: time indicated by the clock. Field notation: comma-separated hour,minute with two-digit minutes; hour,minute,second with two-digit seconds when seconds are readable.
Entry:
5,57,21
